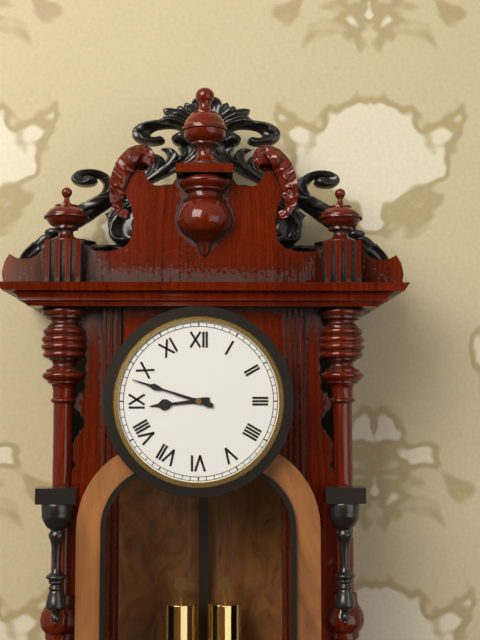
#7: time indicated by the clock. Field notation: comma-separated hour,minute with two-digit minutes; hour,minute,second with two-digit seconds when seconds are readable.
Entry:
8,48
